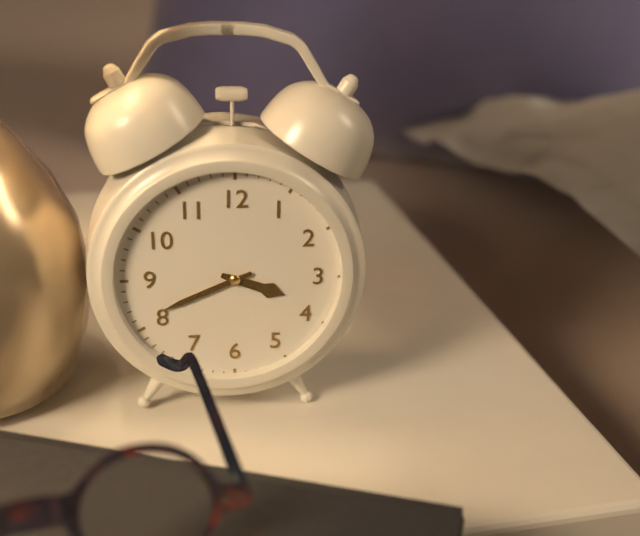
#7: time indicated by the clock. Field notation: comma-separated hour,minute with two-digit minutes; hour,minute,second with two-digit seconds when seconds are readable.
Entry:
3,41
